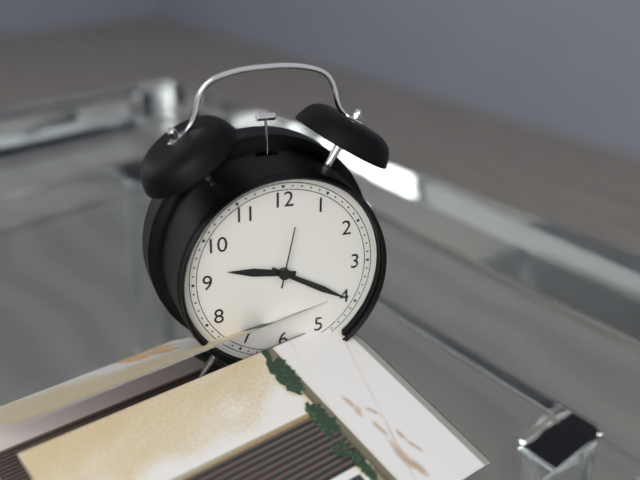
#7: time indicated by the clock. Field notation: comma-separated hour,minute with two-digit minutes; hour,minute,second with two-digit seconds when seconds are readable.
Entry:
9,20,02
